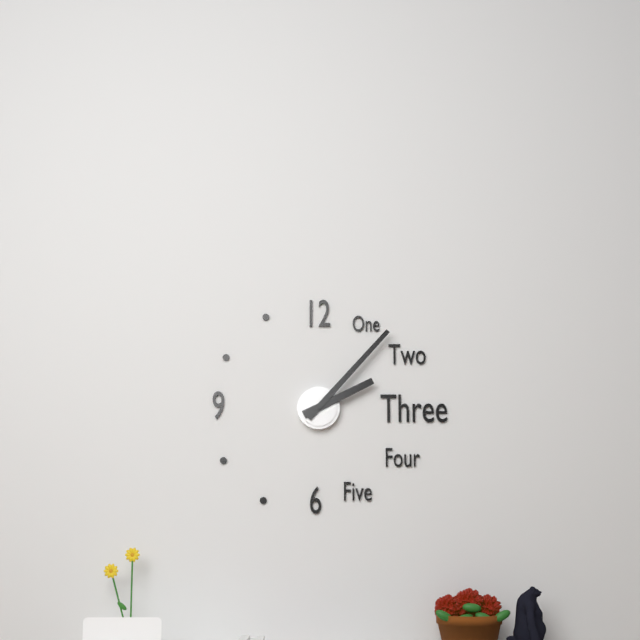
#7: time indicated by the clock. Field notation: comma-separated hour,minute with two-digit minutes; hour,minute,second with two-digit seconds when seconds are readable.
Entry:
2,07
